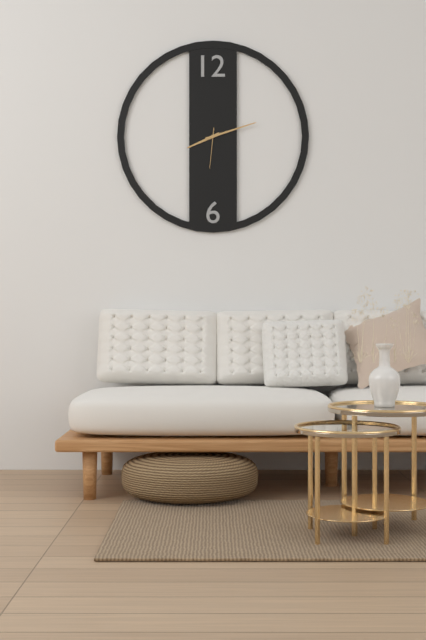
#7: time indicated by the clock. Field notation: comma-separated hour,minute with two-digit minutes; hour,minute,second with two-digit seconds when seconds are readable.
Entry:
8,12
